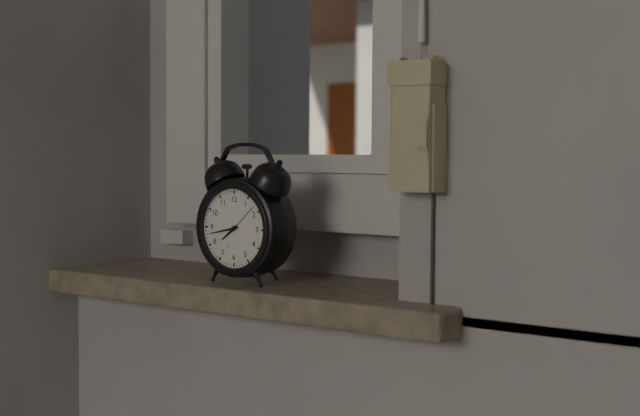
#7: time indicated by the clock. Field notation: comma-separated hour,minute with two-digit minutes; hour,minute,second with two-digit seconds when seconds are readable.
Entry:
7,43
